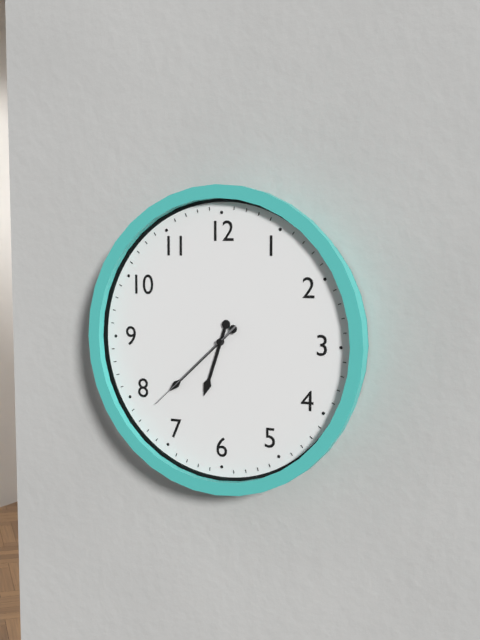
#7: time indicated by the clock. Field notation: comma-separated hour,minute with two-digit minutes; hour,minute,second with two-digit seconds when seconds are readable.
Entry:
6,38,38
